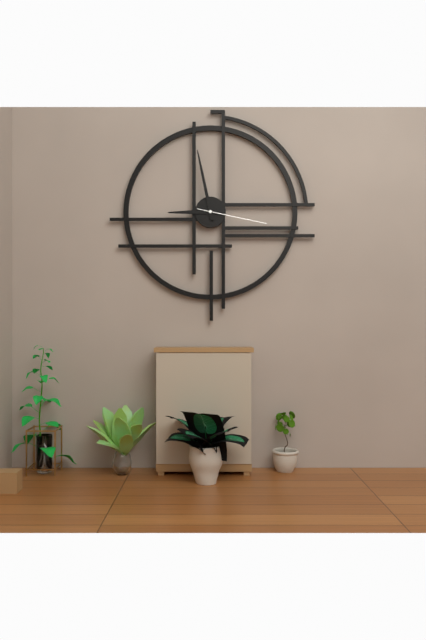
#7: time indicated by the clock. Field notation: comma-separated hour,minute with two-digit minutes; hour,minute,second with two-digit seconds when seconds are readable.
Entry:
8,58,17
